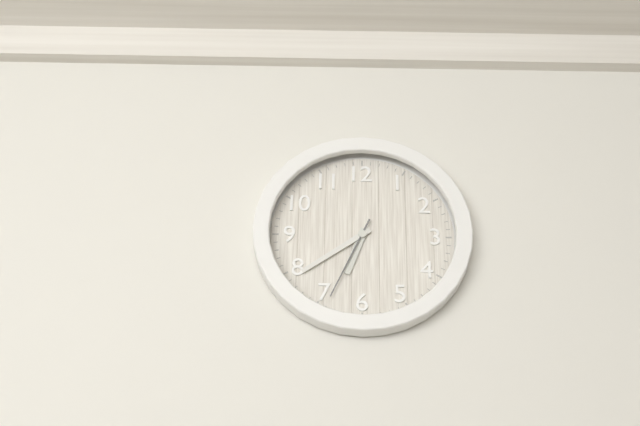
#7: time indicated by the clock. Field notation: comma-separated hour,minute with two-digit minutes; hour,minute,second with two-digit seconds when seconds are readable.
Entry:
6,39,34
